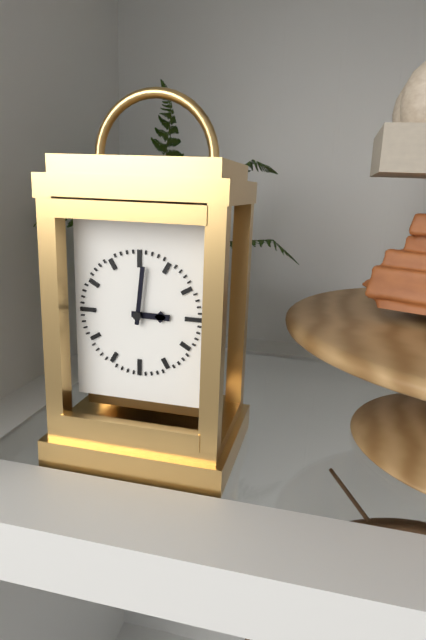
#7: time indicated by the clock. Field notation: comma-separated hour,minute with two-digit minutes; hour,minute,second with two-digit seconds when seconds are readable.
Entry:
3,01
